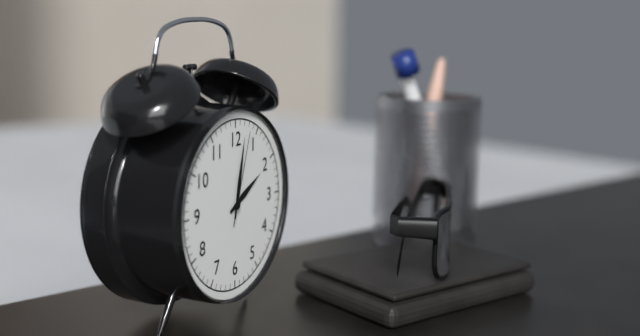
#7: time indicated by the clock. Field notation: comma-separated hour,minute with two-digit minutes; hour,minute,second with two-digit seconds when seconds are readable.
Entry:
2,02,03
